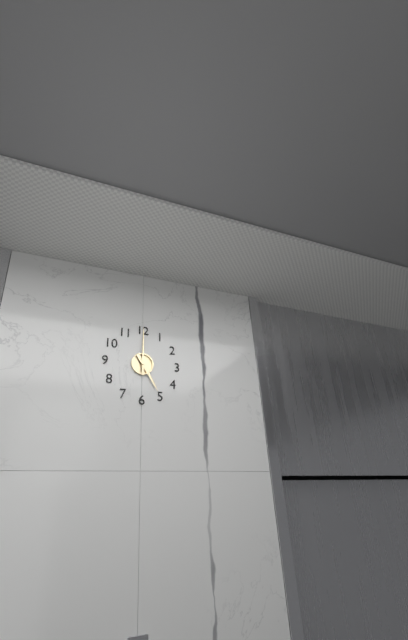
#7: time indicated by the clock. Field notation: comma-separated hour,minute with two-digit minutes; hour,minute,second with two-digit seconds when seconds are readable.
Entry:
5,00
